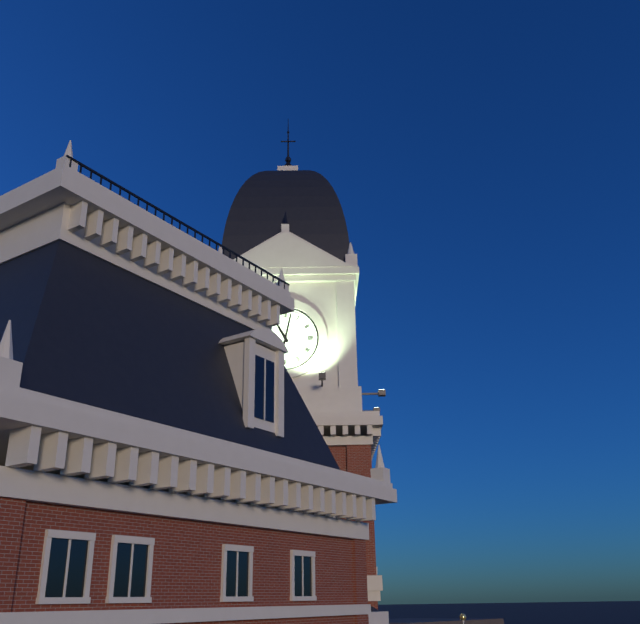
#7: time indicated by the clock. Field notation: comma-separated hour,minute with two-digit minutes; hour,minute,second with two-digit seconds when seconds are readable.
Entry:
11,02
